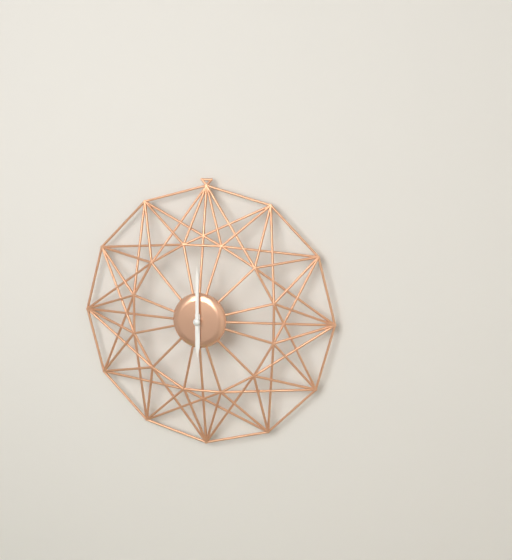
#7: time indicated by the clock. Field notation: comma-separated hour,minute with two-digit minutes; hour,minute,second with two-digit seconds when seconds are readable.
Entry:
6,00
